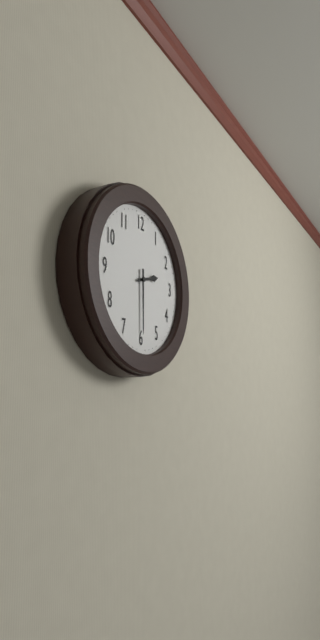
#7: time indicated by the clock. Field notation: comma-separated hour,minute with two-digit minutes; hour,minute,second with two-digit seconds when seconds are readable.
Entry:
2,30
